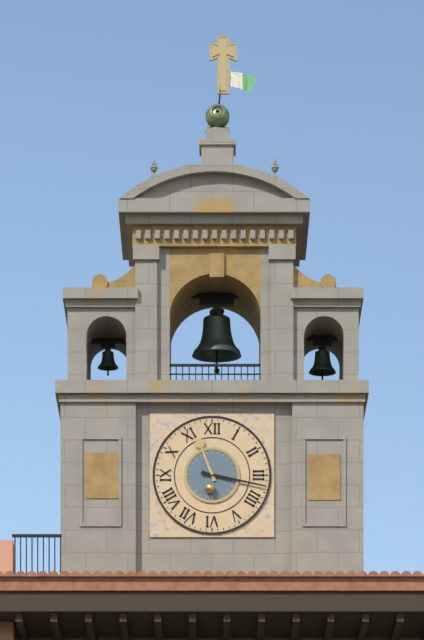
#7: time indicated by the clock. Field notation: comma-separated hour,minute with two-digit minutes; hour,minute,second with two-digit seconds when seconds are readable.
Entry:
11,17
